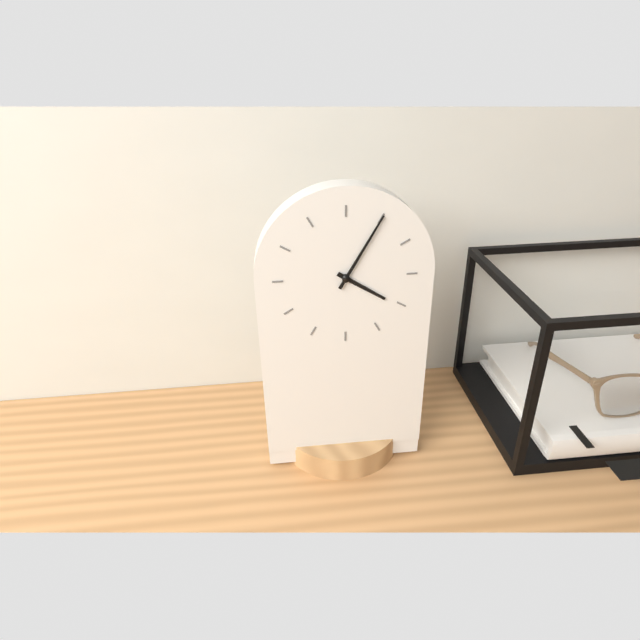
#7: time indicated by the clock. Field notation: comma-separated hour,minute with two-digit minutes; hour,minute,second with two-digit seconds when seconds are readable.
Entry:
4,05
